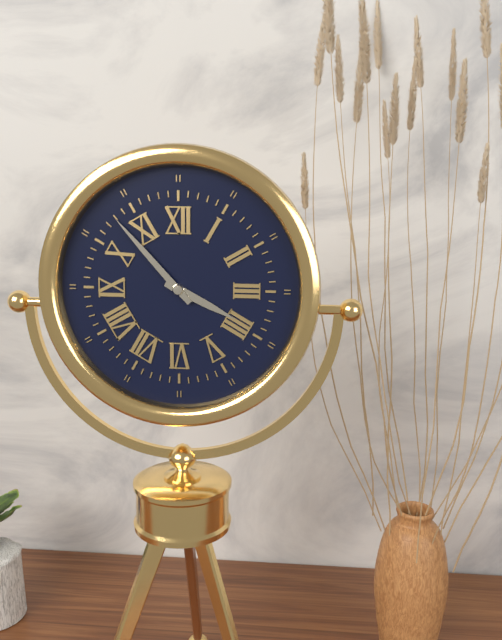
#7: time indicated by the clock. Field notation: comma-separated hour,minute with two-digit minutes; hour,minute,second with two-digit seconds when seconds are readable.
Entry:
3,53
